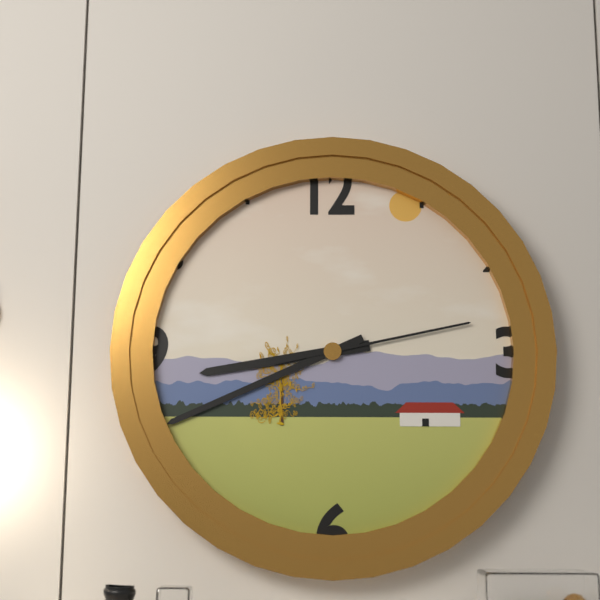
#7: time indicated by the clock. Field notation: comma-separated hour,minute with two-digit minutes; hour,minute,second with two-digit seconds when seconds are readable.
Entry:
8,41,13
